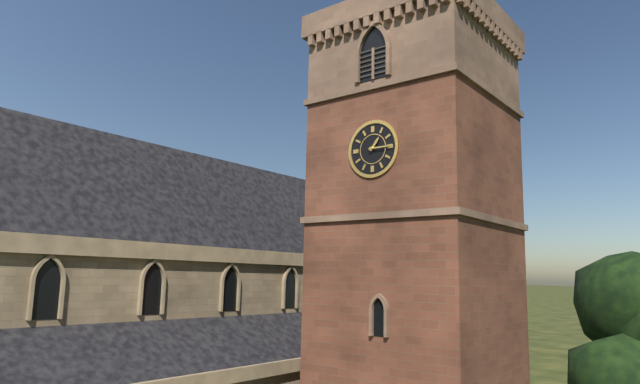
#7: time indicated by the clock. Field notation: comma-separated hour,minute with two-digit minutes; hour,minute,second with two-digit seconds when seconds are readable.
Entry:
1,15
